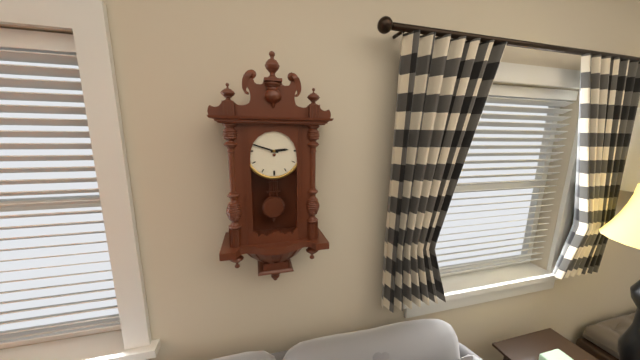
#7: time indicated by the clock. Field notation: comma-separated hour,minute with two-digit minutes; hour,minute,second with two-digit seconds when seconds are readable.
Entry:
2,48
